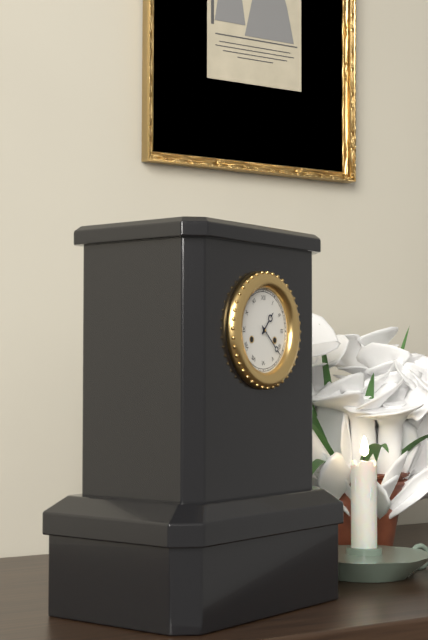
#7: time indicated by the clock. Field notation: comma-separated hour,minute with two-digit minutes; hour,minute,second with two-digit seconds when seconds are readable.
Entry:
1,22
